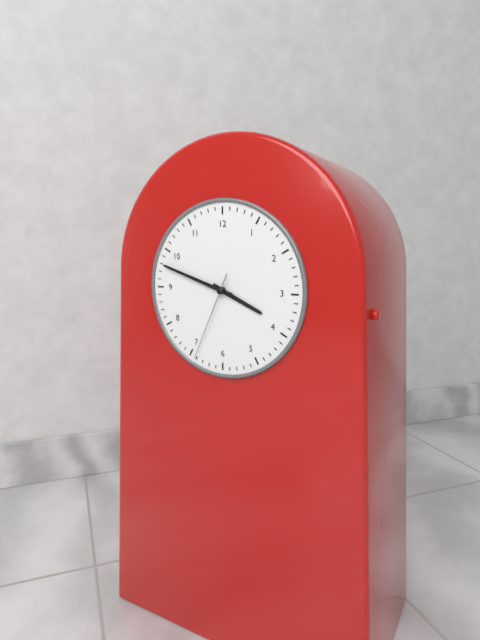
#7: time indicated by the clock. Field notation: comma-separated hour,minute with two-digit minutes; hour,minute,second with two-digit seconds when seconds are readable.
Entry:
3,48,34
